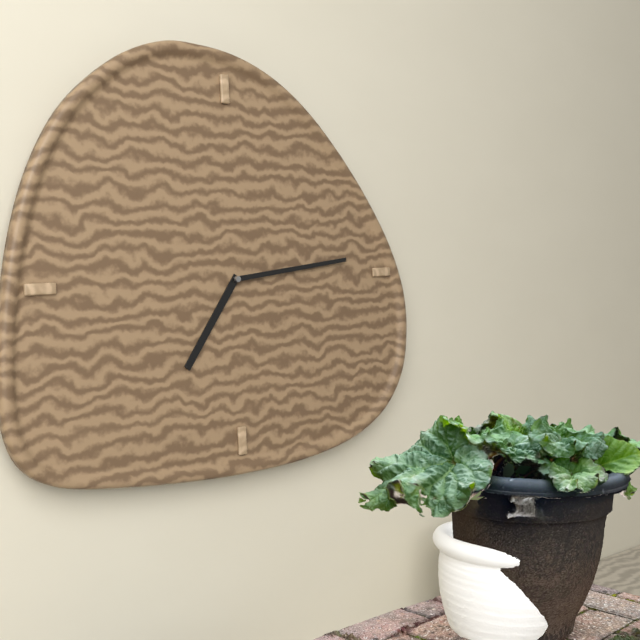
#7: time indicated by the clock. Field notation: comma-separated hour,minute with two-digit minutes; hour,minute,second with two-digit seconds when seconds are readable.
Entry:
7,14
